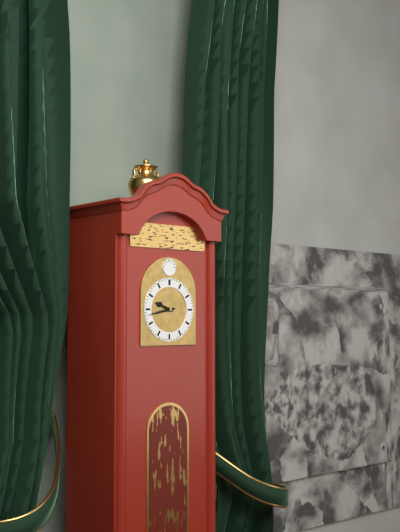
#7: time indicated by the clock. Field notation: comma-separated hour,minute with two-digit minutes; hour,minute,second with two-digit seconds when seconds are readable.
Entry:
9,43
